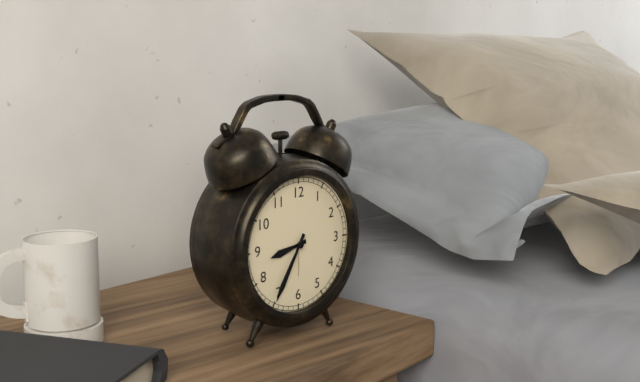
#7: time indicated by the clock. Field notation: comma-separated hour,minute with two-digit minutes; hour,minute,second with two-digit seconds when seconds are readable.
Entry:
8,35
